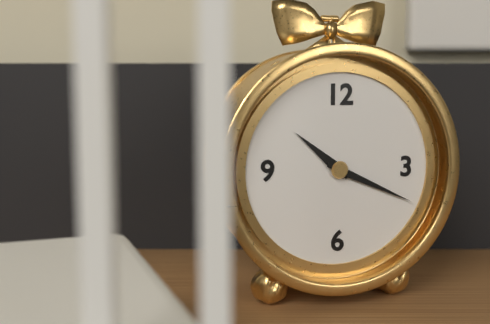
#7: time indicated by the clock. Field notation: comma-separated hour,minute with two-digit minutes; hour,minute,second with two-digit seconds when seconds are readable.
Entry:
10,19
